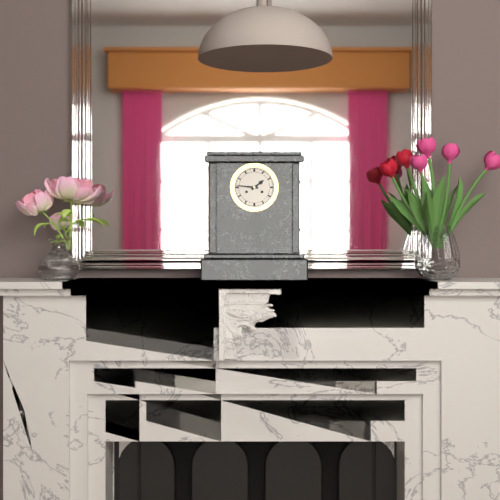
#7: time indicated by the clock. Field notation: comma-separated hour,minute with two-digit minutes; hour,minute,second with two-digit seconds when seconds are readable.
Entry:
1,46
